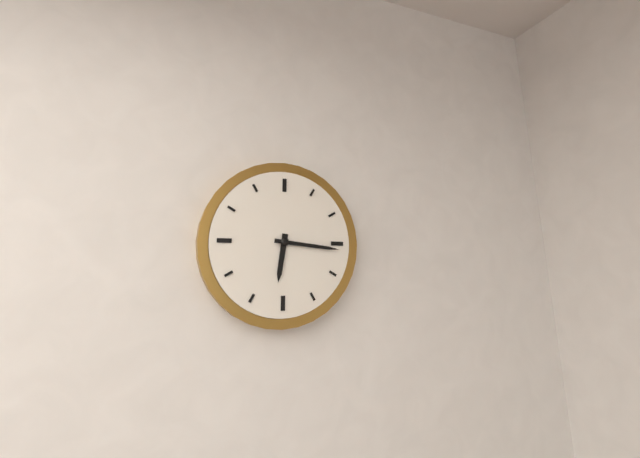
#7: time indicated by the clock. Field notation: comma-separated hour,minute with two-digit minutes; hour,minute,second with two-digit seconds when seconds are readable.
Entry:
6,16
